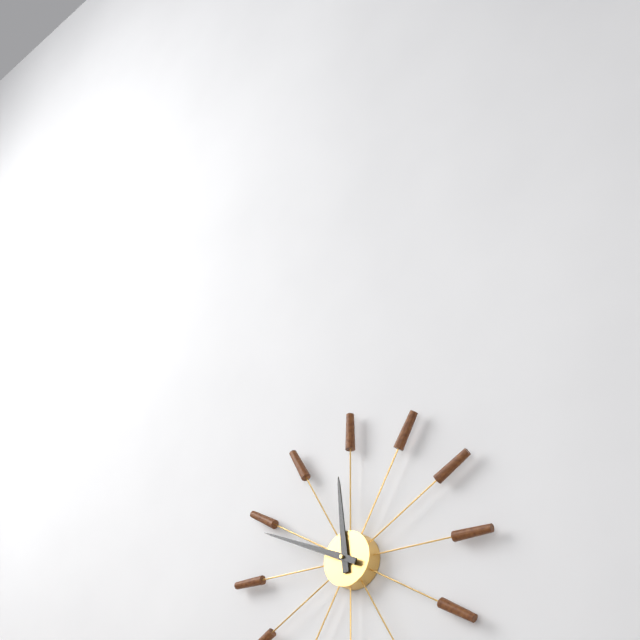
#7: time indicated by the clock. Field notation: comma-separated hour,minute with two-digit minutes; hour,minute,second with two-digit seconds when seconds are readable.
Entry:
11,49
